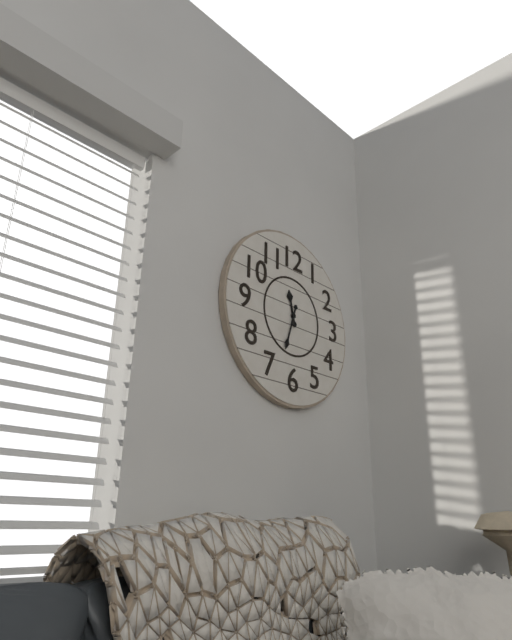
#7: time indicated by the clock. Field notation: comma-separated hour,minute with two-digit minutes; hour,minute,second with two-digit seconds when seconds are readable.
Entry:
11,33
